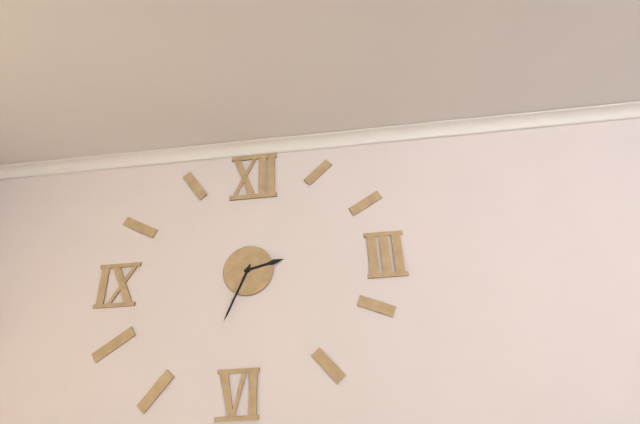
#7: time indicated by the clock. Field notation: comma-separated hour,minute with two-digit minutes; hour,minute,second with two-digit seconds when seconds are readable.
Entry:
2,34
